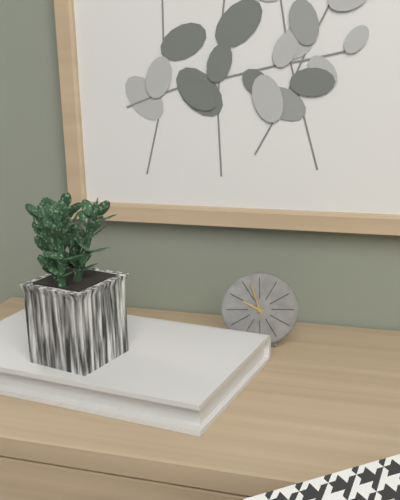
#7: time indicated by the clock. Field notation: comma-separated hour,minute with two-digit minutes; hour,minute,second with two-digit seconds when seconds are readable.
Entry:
9,57
